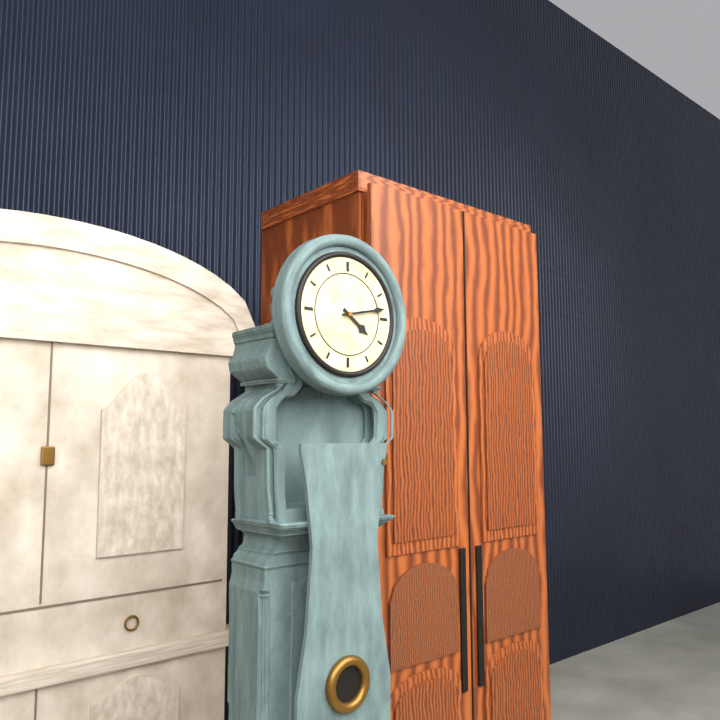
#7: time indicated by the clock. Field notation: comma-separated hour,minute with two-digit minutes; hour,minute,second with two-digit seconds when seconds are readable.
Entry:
4,13
